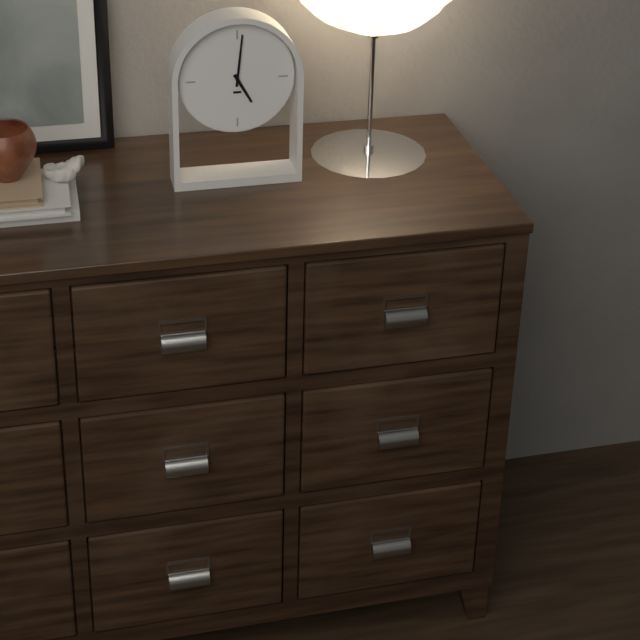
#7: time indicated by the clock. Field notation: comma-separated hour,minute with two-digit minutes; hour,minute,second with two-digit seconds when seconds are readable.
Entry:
5,01
